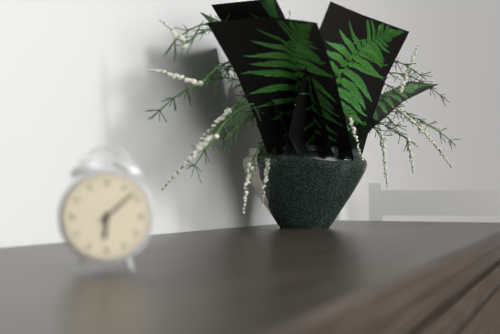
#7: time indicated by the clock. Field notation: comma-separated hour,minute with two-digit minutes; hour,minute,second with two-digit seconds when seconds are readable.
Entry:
6,08
